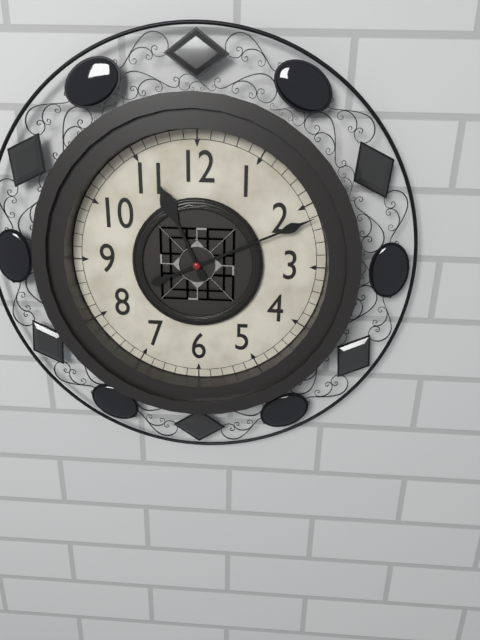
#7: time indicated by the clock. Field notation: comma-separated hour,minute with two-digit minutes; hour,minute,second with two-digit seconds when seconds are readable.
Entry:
11,11
